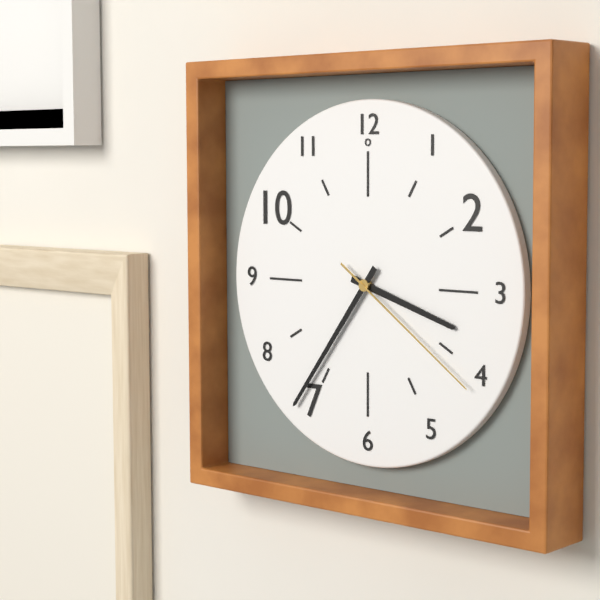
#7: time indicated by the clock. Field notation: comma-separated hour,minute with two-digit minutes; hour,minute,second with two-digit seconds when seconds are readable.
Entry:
3,36,21
